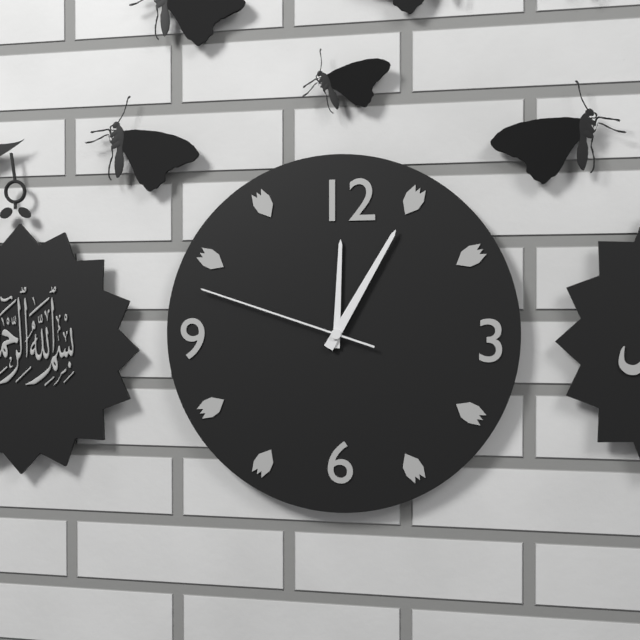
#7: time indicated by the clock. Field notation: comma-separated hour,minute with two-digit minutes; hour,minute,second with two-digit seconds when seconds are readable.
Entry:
12,05,48
